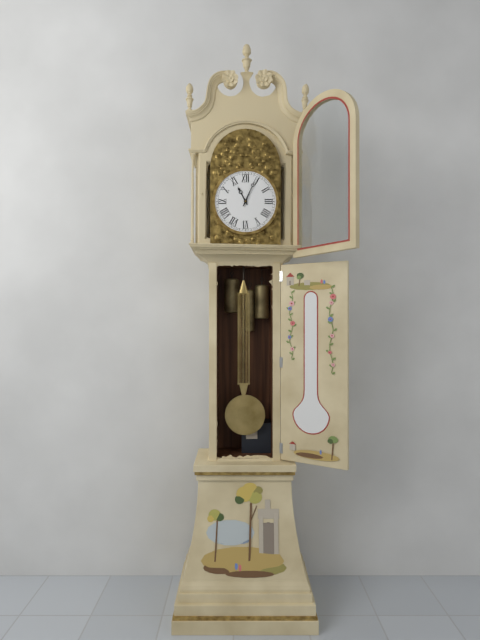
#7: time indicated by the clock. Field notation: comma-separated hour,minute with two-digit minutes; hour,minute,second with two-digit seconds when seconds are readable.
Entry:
11,04
